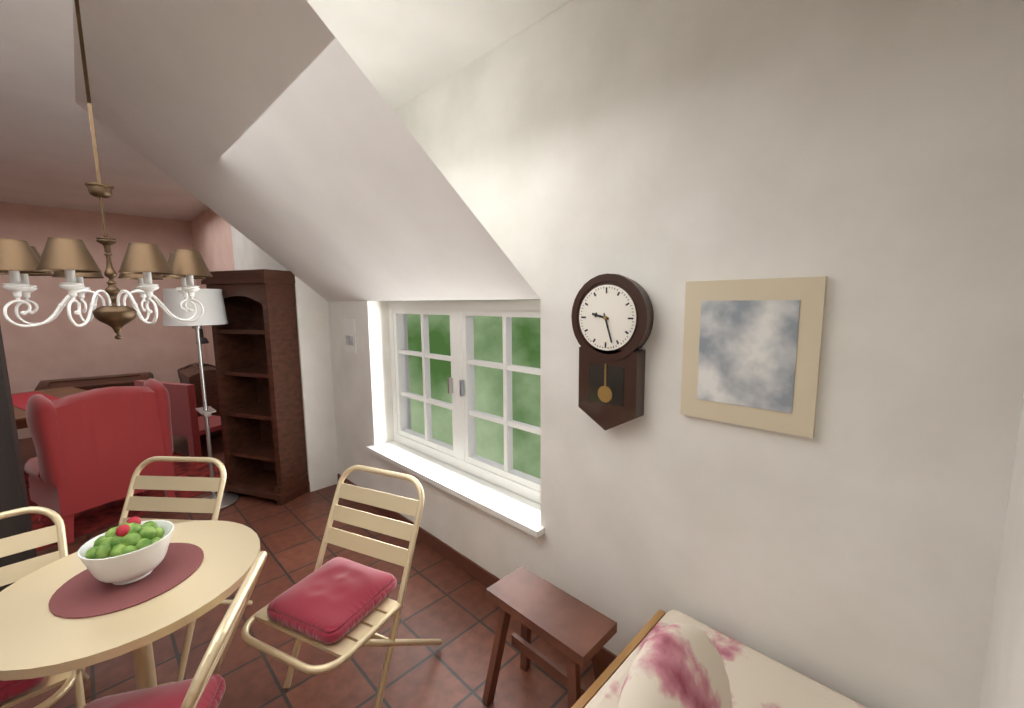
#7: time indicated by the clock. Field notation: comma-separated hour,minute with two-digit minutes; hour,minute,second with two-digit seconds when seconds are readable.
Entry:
9,27
